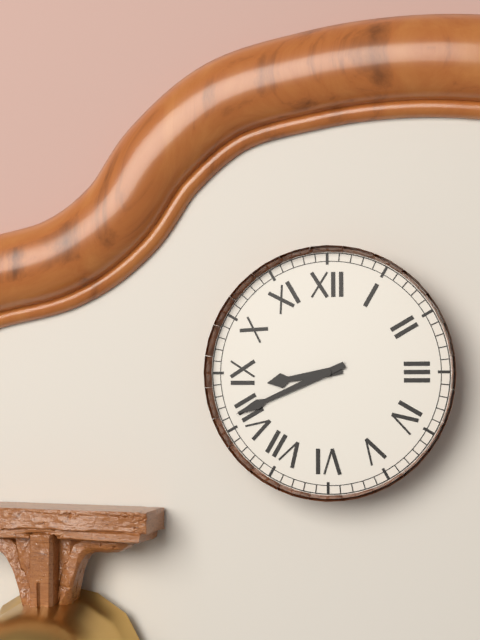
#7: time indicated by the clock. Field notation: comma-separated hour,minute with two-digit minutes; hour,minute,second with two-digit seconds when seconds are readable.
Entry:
8,41
